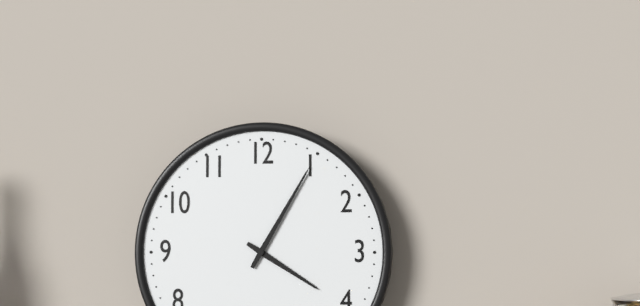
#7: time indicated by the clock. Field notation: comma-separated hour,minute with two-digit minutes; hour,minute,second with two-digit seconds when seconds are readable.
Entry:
4,05
